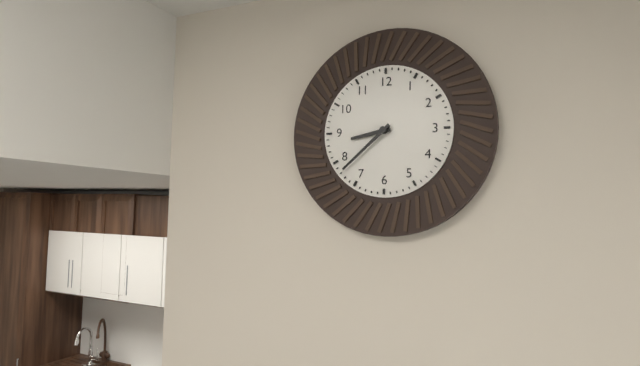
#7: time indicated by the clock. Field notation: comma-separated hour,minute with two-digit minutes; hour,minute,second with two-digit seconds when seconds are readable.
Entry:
8,38
